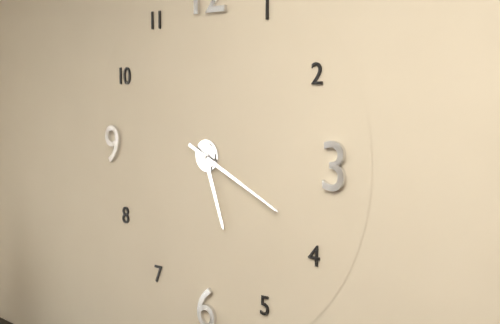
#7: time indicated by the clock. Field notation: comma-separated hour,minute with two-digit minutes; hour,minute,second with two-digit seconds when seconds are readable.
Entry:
5,19
